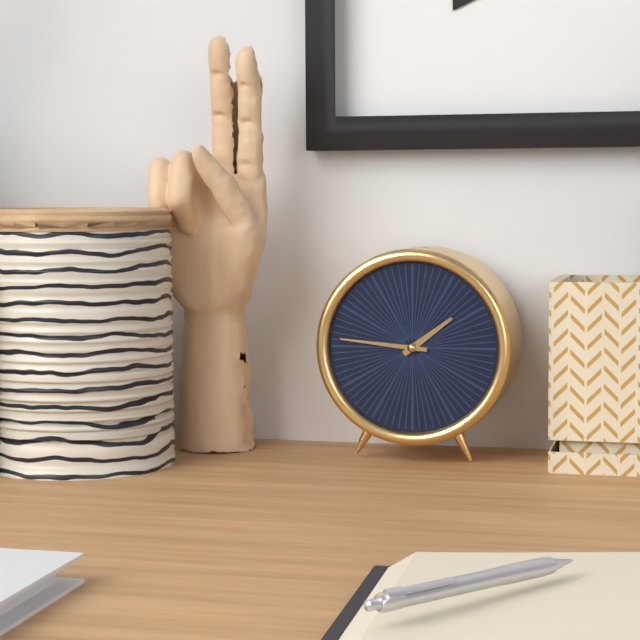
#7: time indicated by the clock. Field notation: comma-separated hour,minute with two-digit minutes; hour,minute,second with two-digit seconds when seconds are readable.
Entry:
1,46
